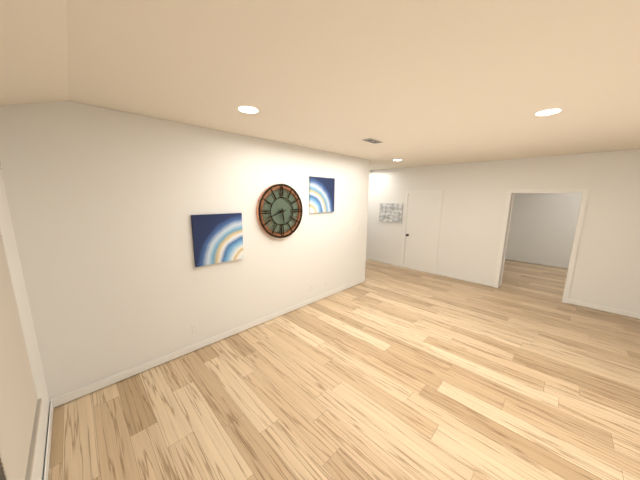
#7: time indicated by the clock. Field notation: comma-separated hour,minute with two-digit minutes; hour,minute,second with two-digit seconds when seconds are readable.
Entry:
5,42
